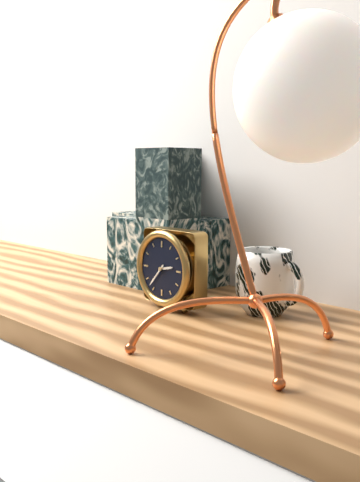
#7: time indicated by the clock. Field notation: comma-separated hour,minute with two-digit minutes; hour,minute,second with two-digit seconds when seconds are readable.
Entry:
2,37
